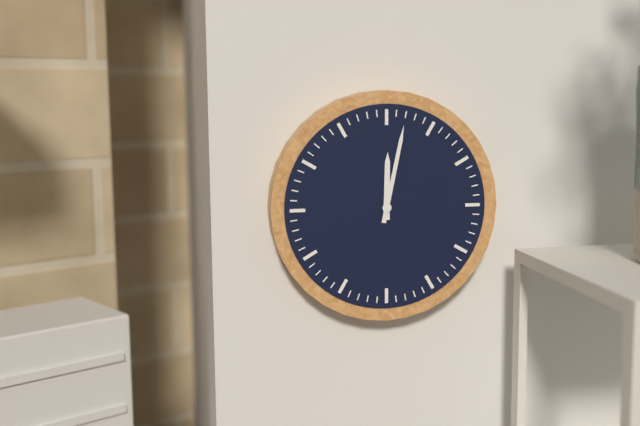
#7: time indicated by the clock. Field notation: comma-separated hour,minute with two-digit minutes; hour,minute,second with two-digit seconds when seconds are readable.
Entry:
12,02
